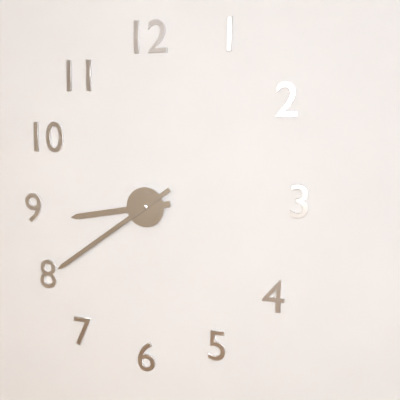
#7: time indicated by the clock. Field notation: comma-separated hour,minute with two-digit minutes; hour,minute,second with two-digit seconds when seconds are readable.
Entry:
8,39
